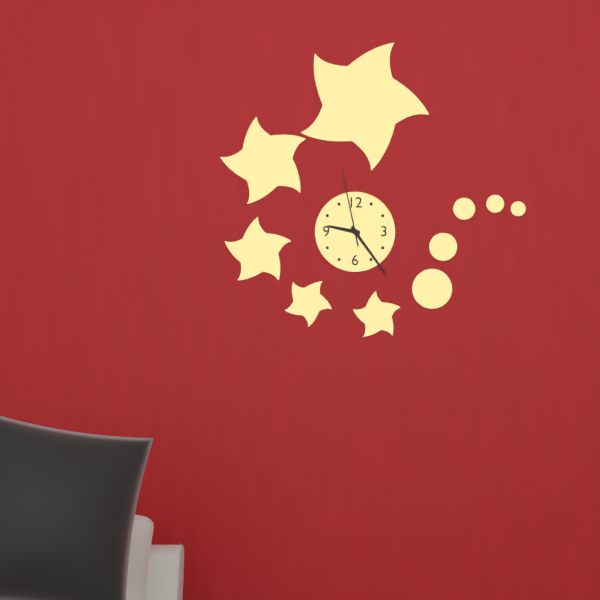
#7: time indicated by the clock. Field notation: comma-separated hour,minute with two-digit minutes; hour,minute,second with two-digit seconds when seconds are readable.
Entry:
9,24,58
